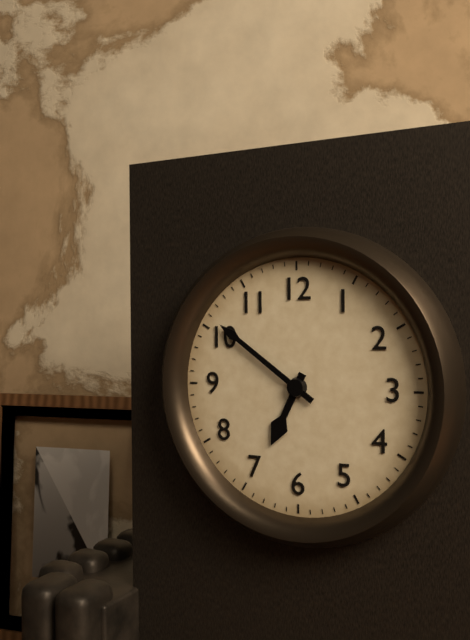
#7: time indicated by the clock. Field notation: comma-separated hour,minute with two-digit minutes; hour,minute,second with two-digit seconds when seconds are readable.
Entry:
6,51
